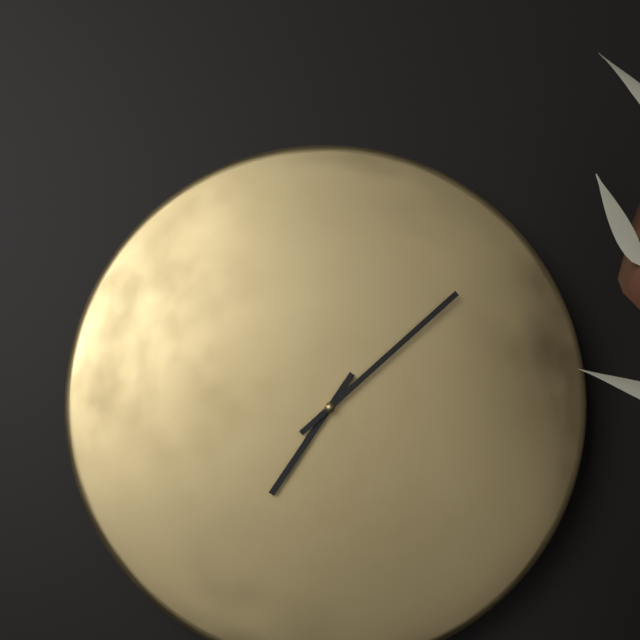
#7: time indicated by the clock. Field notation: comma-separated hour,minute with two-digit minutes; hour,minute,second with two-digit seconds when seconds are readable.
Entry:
7,08
